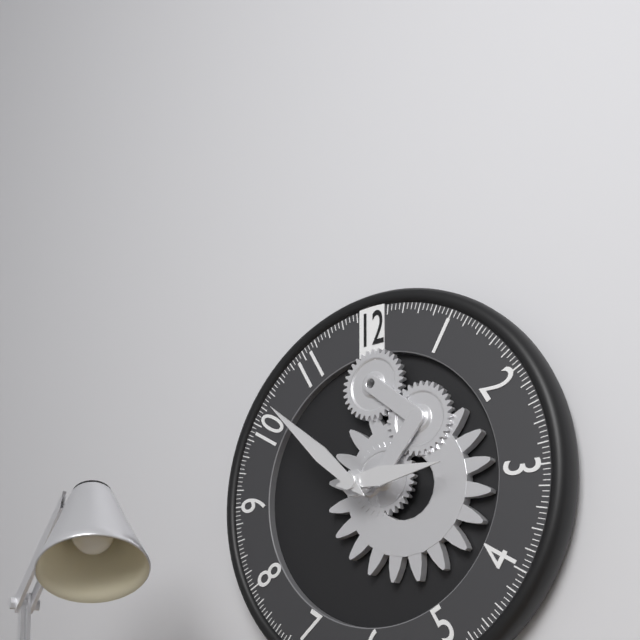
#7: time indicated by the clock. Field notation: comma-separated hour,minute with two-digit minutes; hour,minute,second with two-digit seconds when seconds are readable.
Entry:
2,52
